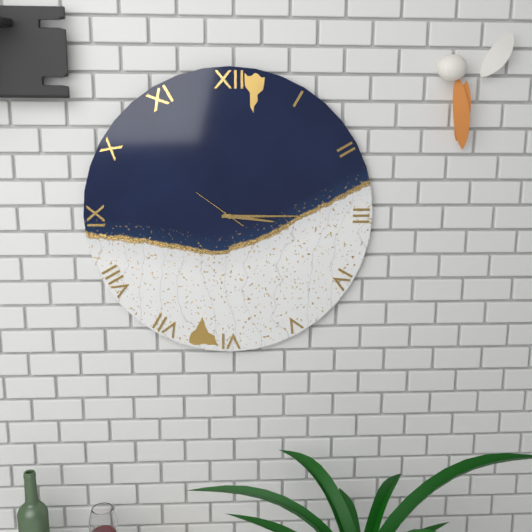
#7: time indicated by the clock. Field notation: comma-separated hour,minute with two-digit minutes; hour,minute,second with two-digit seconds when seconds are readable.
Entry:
3,15,51
